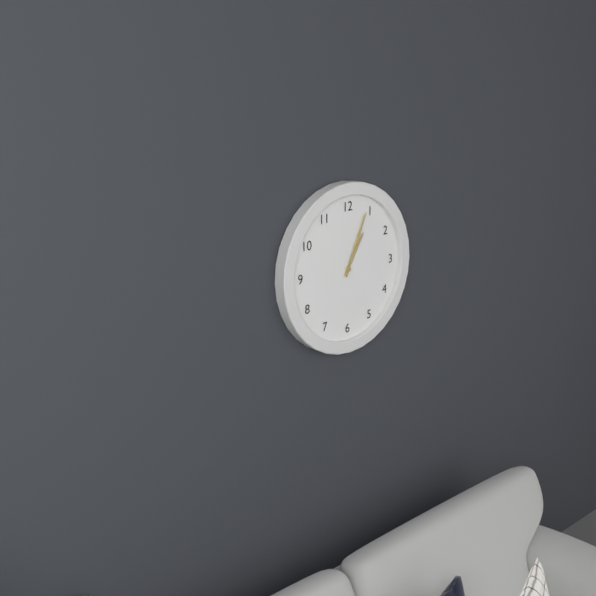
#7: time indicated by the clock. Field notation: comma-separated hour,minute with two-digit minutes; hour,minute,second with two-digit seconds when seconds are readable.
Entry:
1,04
